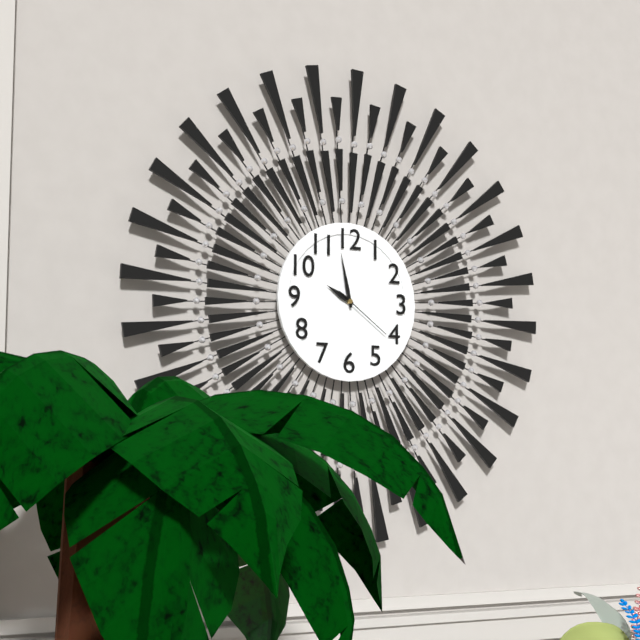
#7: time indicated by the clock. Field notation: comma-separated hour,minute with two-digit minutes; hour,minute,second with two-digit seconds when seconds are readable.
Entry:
9,58,21
